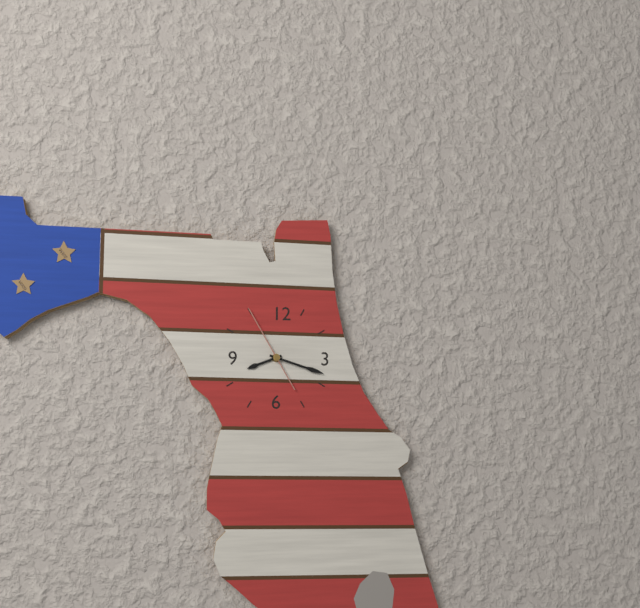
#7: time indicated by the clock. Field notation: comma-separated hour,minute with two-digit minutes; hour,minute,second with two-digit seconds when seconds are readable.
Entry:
8,18,55
